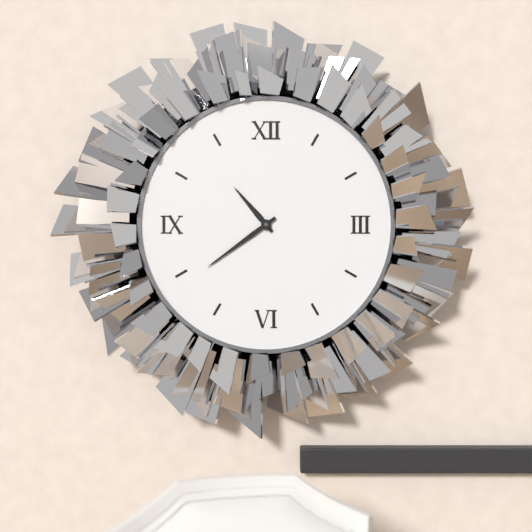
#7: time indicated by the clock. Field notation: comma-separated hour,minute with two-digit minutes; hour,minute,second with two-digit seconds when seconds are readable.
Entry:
10,39
